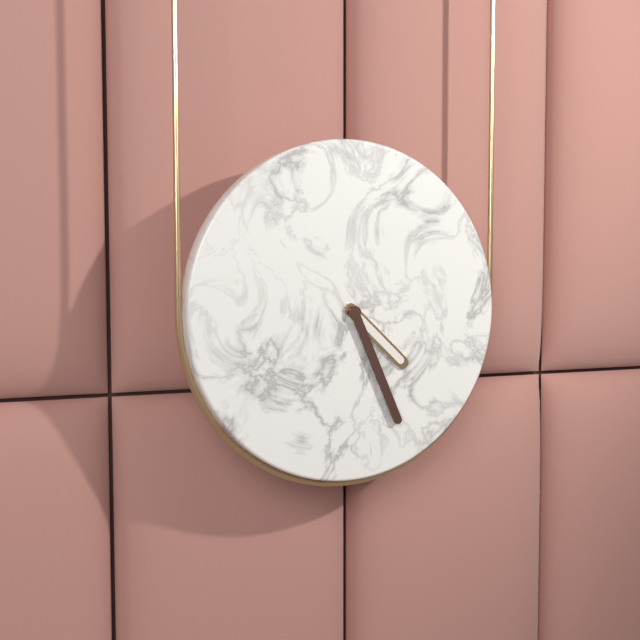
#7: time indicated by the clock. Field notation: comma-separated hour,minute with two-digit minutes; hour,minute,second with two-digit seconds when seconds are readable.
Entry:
4,26
